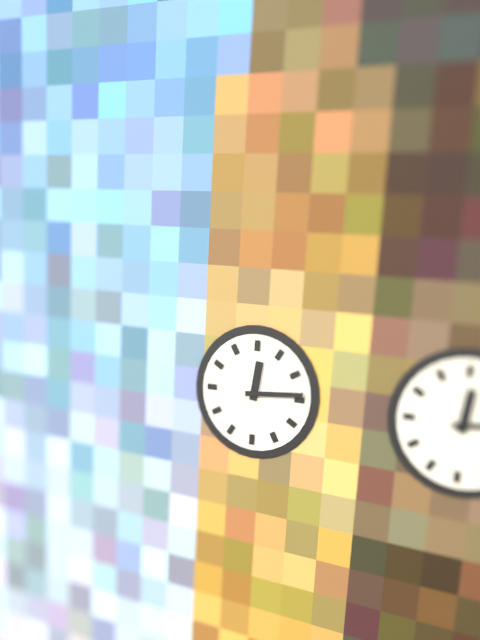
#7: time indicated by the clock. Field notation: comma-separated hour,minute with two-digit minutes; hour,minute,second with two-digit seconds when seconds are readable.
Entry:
12,14
